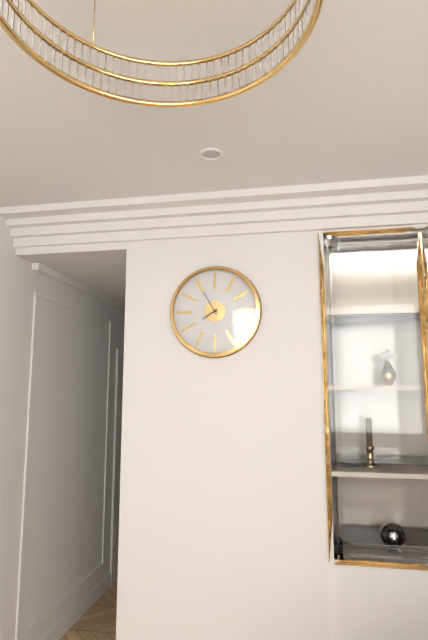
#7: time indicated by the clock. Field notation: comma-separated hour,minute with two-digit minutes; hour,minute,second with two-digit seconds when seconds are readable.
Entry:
7,55
